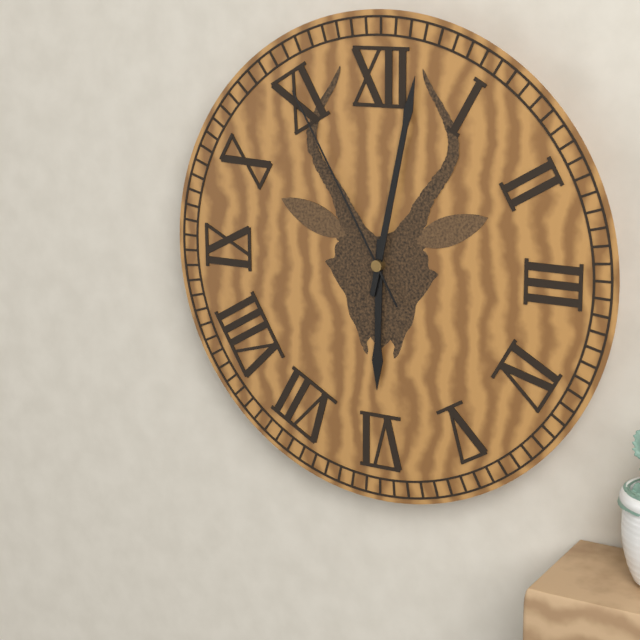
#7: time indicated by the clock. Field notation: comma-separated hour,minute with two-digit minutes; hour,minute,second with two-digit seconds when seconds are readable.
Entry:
6,02,55
